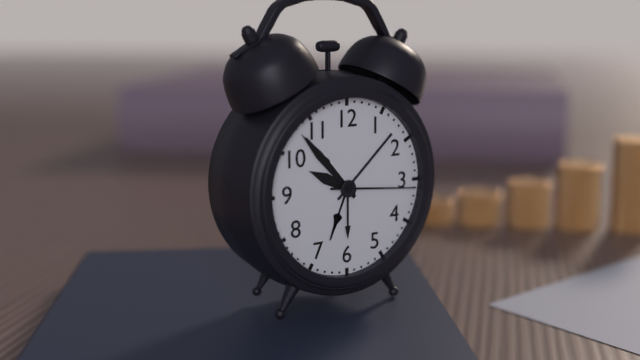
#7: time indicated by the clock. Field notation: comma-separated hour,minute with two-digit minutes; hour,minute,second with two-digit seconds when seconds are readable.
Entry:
9,53,16
